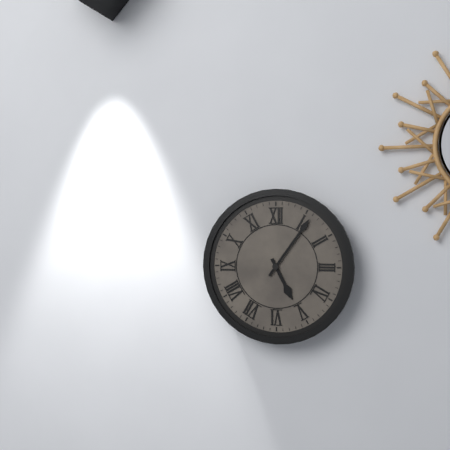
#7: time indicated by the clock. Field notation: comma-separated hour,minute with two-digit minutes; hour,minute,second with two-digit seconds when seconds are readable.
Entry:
5,06
